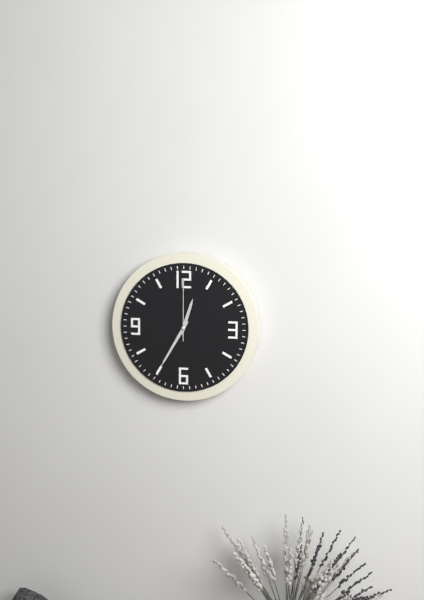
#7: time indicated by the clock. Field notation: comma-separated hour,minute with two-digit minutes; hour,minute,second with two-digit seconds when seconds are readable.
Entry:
12,35,00
